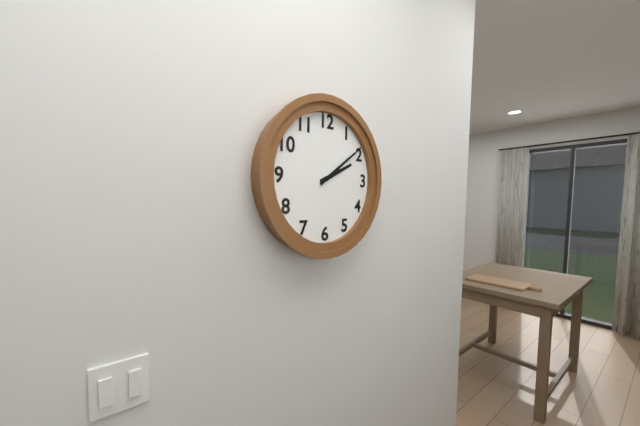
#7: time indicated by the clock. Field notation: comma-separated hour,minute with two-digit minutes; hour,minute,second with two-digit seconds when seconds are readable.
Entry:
2,09
